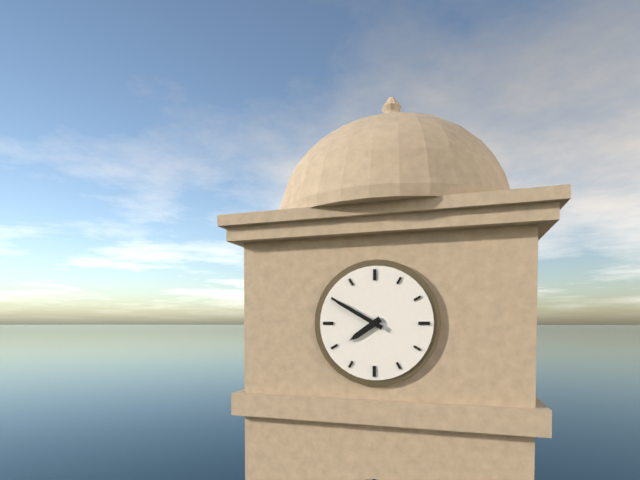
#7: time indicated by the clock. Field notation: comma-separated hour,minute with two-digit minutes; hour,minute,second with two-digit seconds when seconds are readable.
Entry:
7,50
